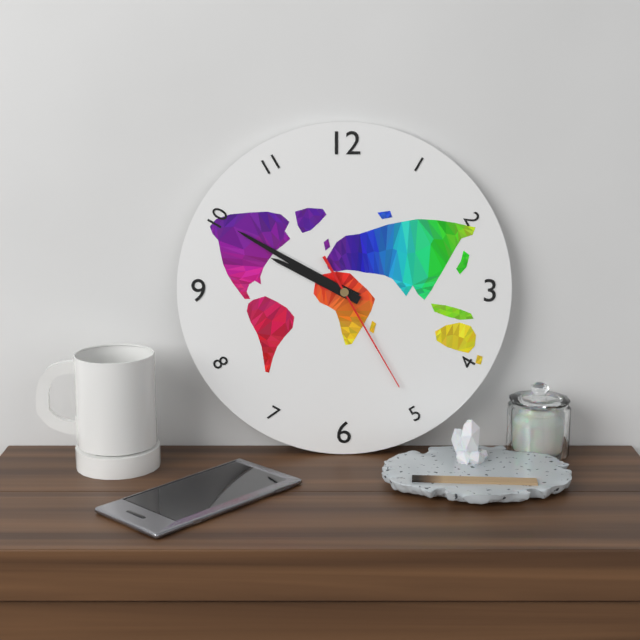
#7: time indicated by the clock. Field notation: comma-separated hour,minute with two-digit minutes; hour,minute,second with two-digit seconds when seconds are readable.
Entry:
9,50,25
